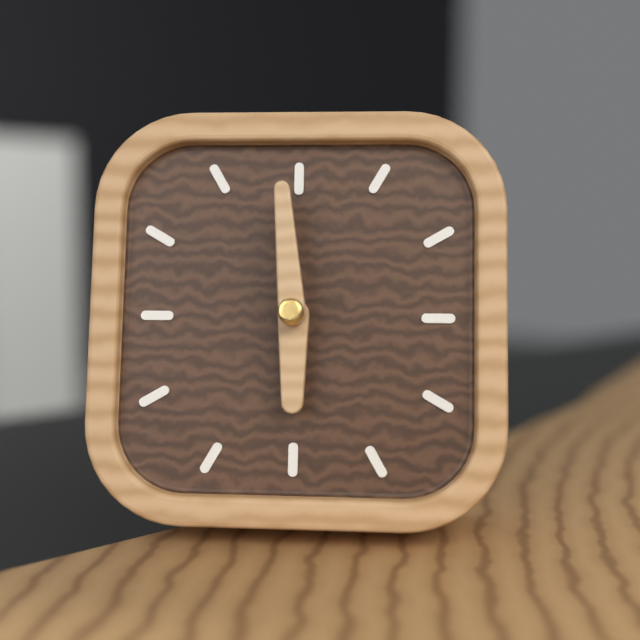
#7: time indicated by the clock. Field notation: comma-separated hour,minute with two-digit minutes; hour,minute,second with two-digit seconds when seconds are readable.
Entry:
5,59
